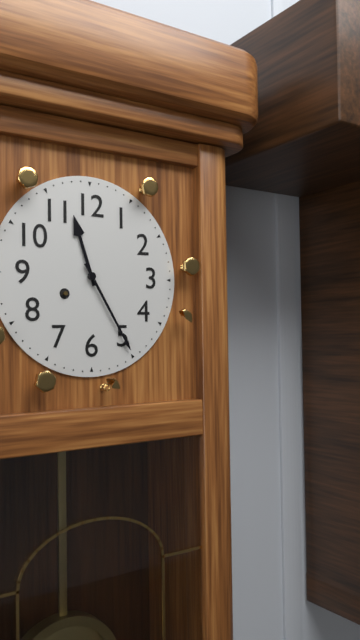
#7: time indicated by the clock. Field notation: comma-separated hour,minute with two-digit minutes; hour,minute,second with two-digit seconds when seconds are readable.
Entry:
11,25
